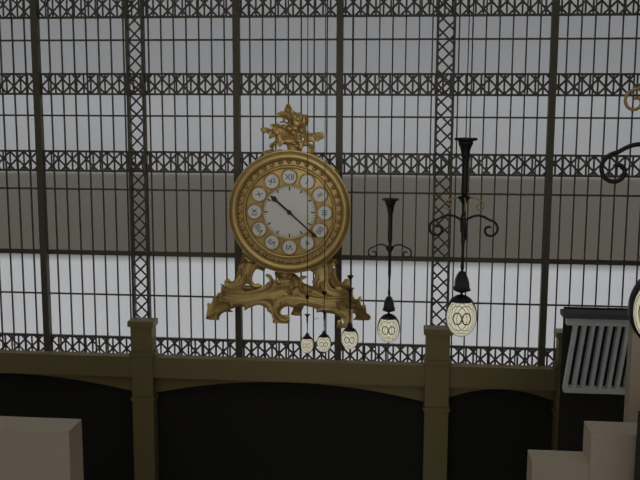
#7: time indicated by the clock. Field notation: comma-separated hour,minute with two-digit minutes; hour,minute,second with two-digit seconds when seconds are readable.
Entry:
10,22
